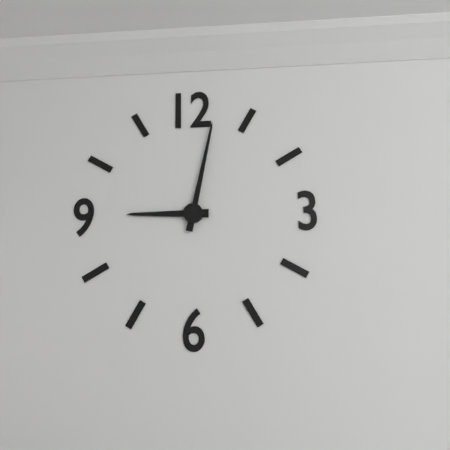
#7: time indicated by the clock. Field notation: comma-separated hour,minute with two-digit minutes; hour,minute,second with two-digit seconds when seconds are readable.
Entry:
9,02
